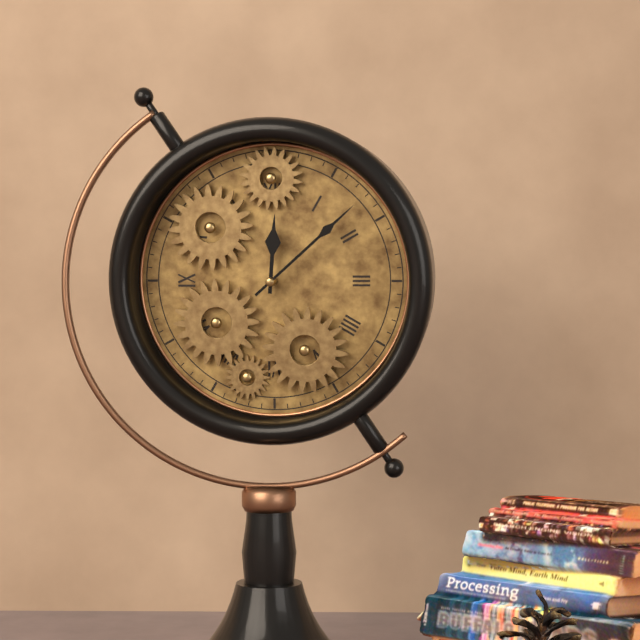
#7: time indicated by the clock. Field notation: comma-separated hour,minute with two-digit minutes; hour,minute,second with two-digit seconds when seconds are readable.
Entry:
12,08
